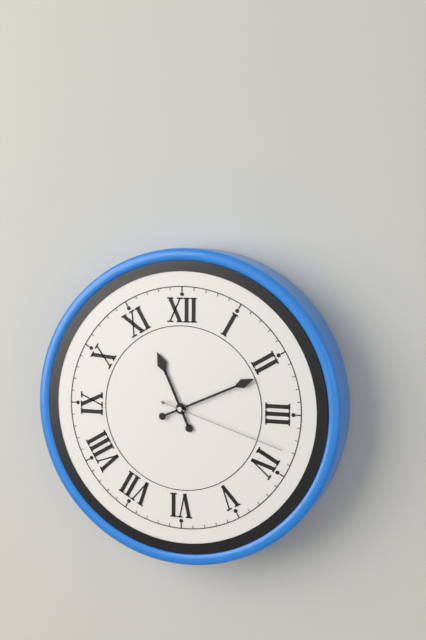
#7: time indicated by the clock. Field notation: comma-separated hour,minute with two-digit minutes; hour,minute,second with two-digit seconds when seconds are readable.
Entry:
11,11,18
